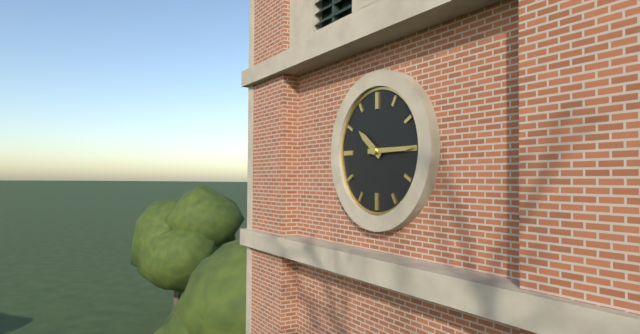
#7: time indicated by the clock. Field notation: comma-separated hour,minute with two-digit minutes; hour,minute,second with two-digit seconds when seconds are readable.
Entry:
10,15
